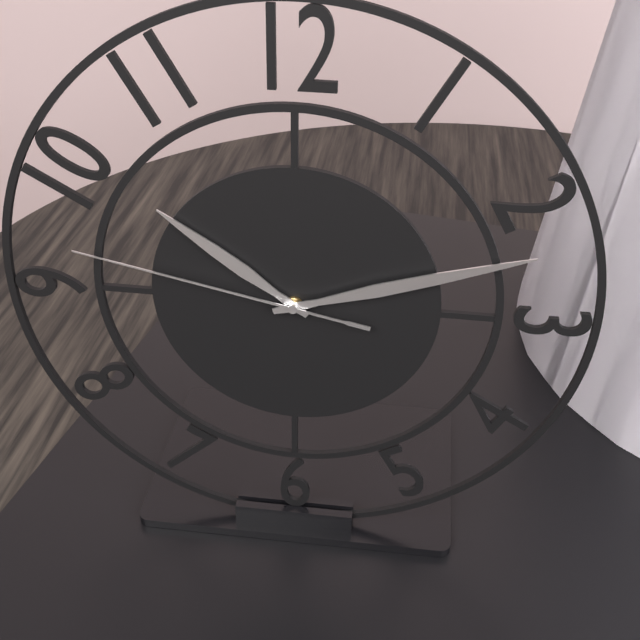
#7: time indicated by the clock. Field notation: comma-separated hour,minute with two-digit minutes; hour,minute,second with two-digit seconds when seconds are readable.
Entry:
10,12,47
